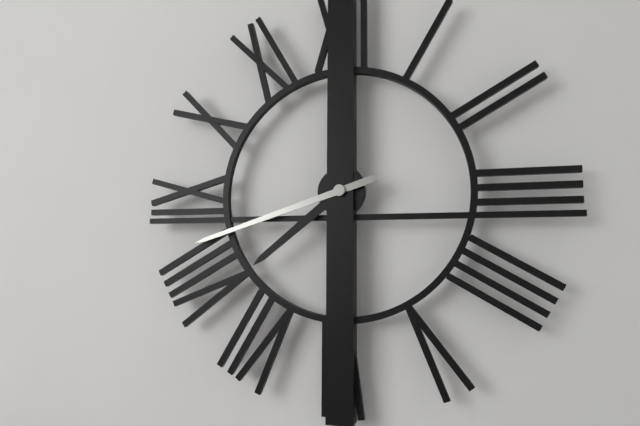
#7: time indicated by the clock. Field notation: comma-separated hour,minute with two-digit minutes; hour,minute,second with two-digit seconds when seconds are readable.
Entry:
7,42
